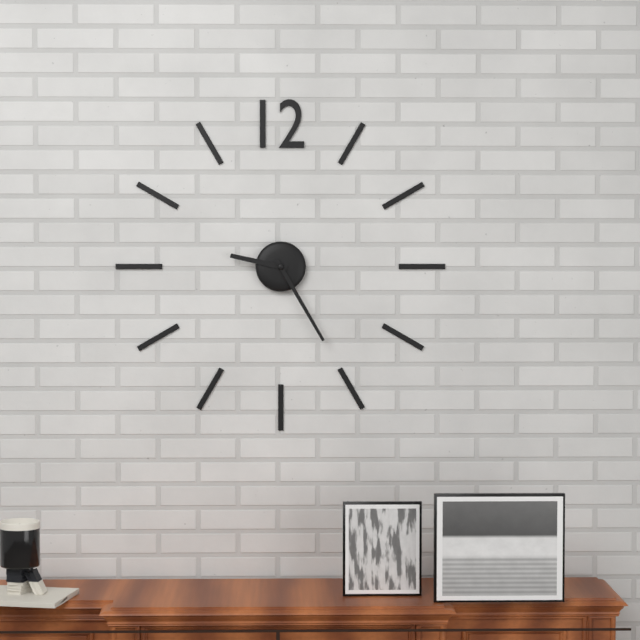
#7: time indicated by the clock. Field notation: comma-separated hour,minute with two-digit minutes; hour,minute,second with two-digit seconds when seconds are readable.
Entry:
9,25
